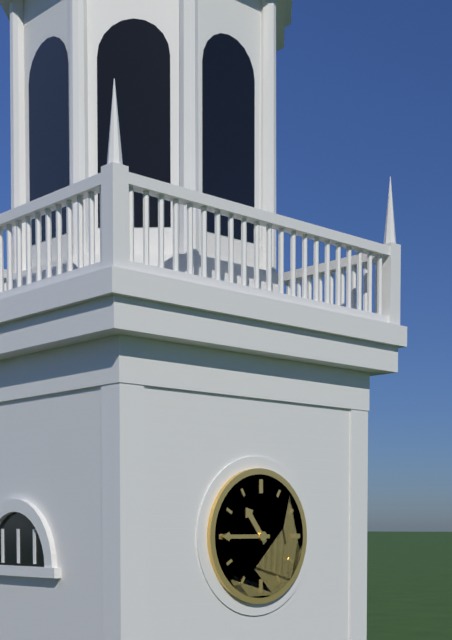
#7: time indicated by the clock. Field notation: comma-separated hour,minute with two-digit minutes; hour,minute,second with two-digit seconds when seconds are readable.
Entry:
10,45
